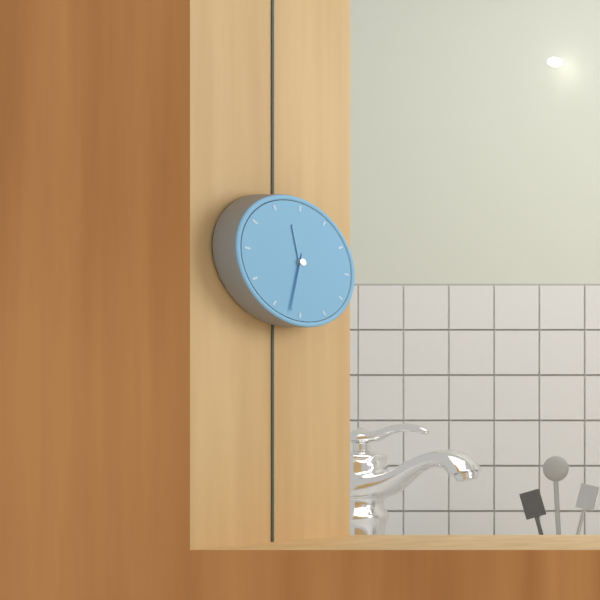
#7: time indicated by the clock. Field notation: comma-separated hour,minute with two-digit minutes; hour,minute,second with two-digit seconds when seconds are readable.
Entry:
11,32
